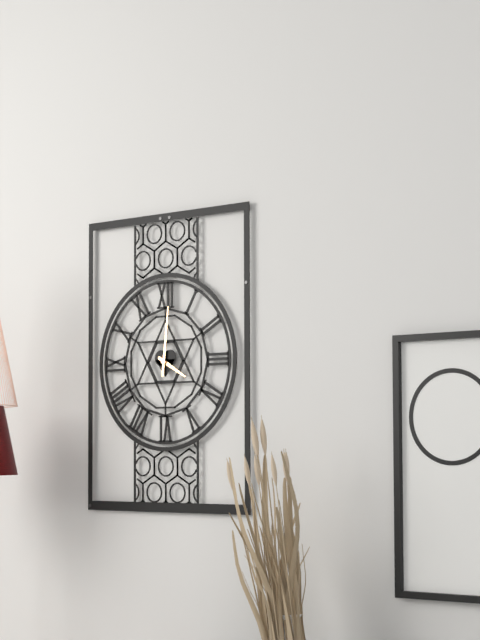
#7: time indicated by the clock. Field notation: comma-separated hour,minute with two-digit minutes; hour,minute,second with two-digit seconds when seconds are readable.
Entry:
4,01
